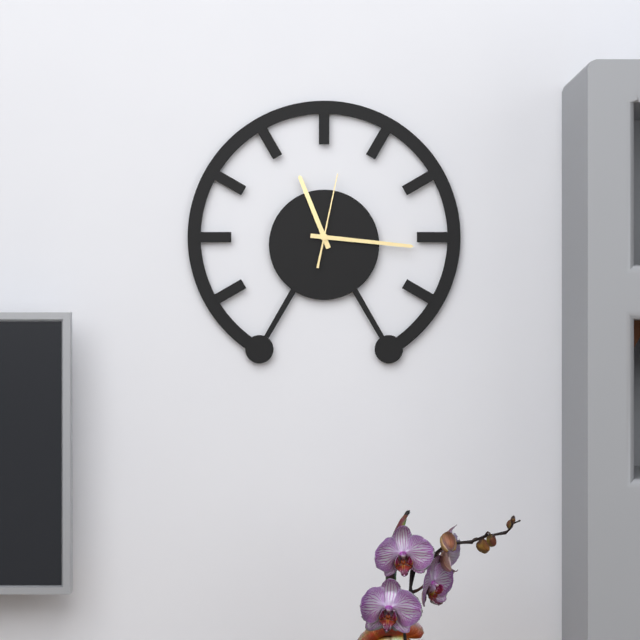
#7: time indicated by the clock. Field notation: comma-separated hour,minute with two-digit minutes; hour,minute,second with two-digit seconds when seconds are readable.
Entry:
11,16,02
